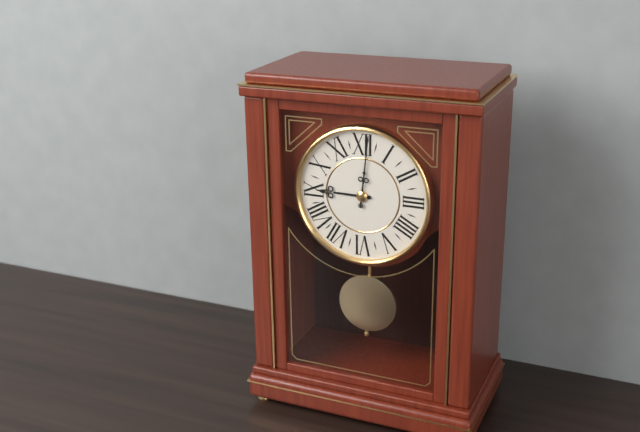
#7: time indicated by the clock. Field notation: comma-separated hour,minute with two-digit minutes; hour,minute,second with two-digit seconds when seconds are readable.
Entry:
9,01
